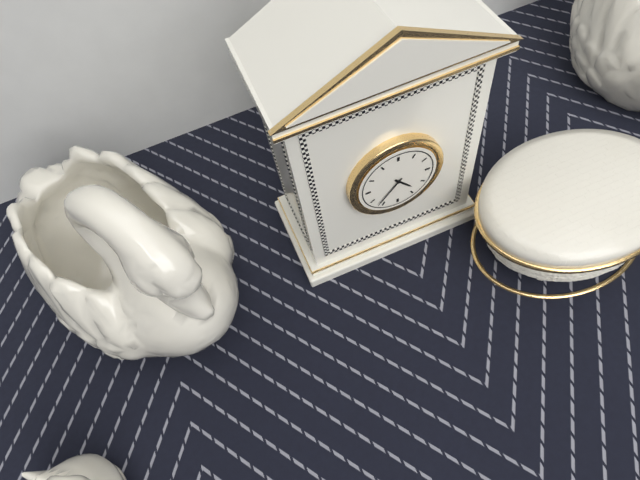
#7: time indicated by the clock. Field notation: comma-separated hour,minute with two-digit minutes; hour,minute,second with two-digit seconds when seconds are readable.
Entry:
4,37
